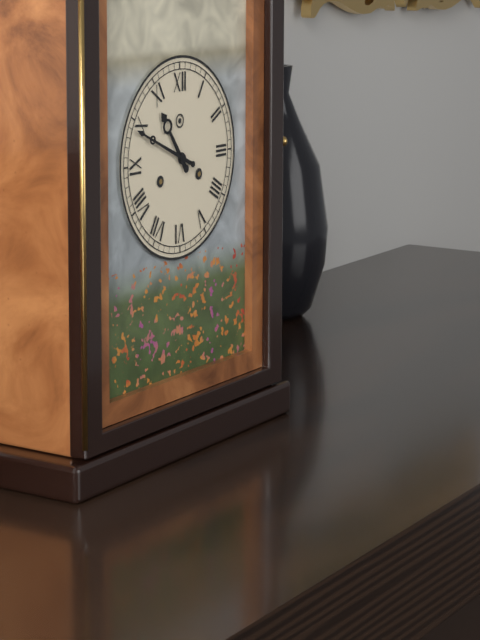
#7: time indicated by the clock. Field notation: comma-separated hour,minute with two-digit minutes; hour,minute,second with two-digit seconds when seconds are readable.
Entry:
10,49
